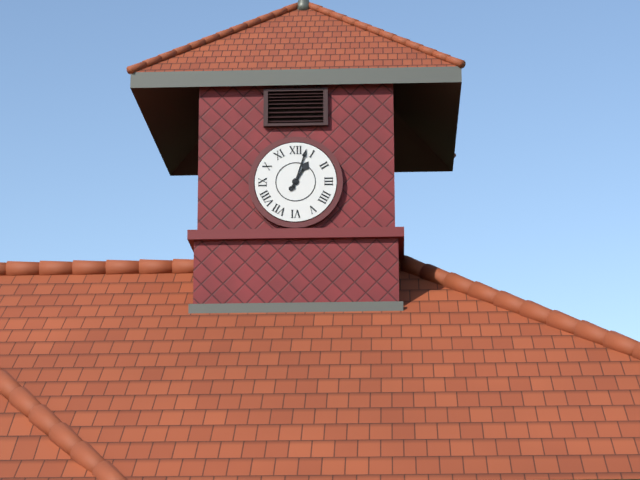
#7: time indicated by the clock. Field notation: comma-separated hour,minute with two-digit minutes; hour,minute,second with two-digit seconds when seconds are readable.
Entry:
1,03
